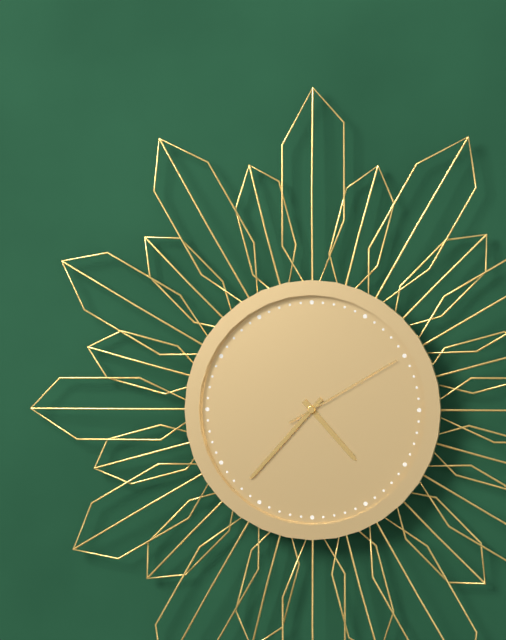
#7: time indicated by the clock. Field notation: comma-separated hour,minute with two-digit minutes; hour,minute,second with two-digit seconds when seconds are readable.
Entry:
4,37,10
